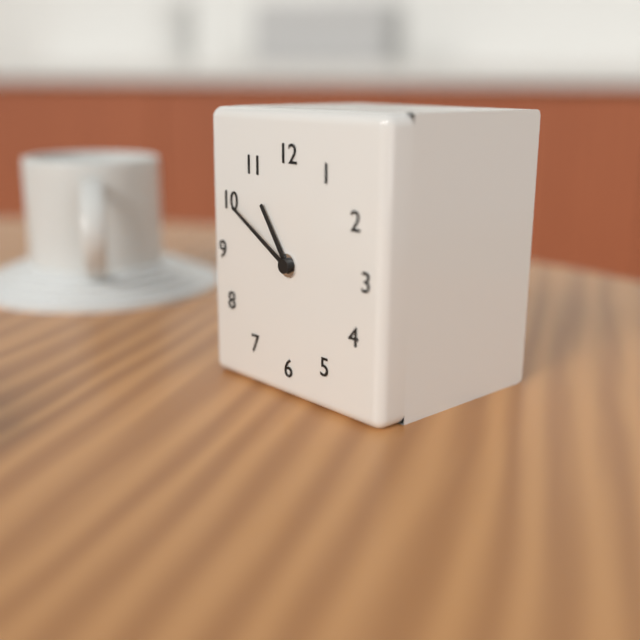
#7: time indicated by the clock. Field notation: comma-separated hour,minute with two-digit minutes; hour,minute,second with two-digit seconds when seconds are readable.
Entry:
10,50
